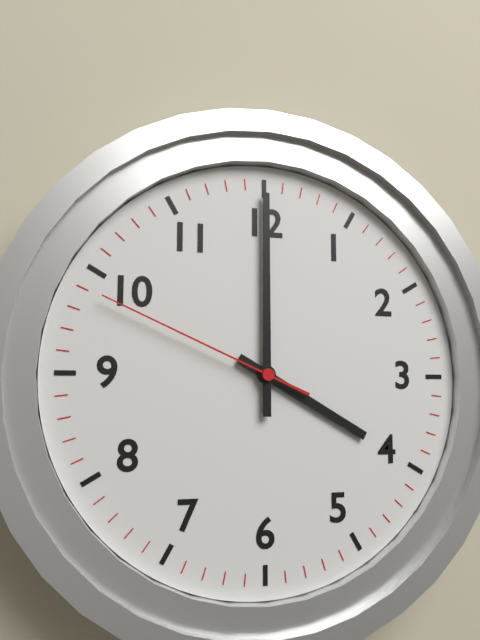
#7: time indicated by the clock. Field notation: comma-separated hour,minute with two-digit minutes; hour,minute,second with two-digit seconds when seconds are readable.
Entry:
4,00,49
